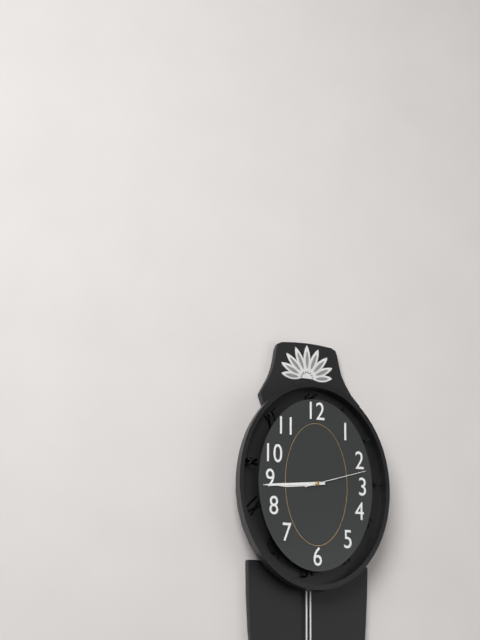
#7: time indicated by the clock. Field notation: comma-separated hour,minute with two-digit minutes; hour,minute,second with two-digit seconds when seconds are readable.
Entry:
8,44,12
